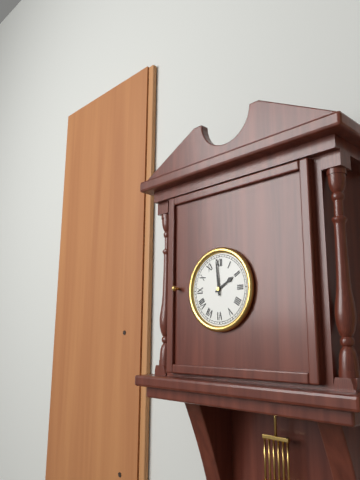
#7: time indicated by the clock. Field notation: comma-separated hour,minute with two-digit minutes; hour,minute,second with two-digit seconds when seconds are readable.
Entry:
1,59
